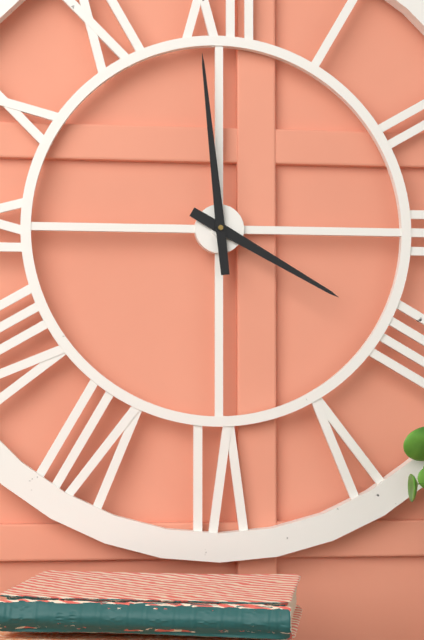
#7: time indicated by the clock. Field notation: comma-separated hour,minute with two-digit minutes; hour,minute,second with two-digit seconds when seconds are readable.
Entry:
3,59
